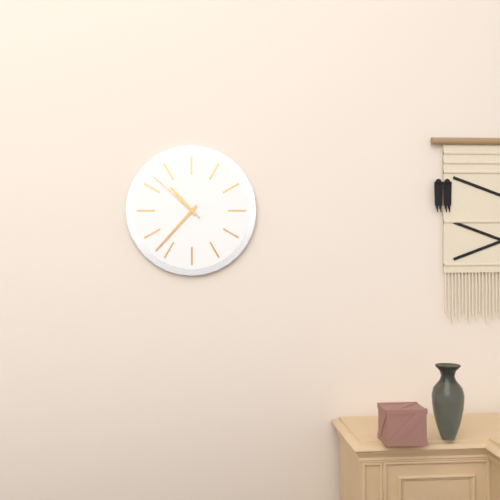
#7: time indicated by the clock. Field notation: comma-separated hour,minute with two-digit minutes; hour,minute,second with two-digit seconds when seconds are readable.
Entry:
10,37,52
